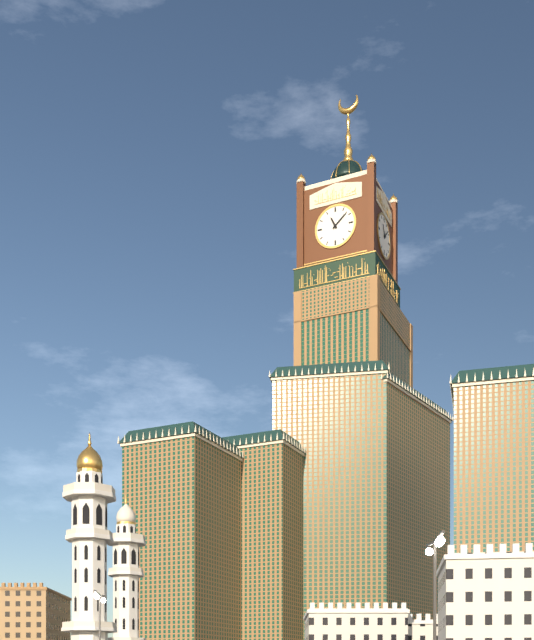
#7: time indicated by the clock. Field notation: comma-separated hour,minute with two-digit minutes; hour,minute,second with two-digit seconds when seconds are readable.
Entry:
11,08
